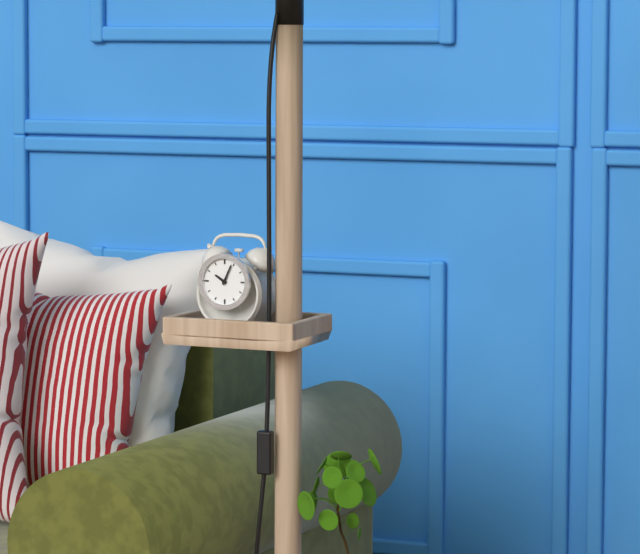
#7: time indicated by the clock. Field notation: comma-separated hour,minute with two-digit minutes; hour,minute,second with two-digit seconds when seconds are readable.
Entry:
10,04
